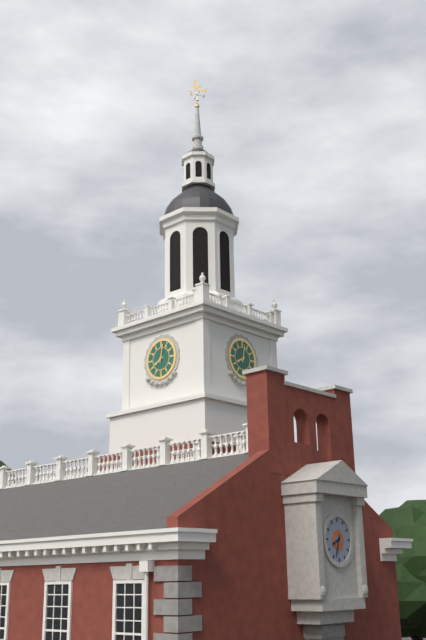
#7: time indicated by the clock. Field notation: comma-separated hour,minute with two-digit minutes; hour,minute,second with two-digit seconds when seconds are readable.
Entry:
8,02
